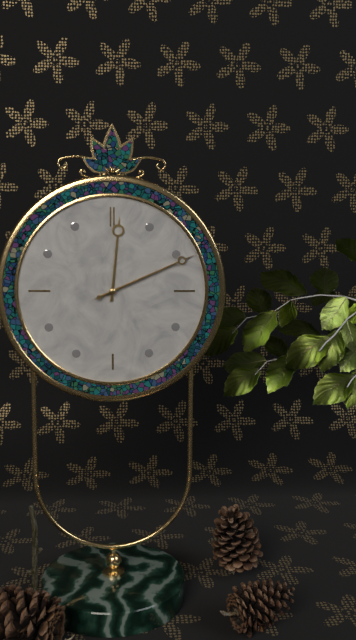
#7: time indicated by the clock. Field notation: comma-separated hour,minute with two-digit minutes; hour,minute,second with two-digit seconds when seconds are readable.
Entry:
12,11,11
